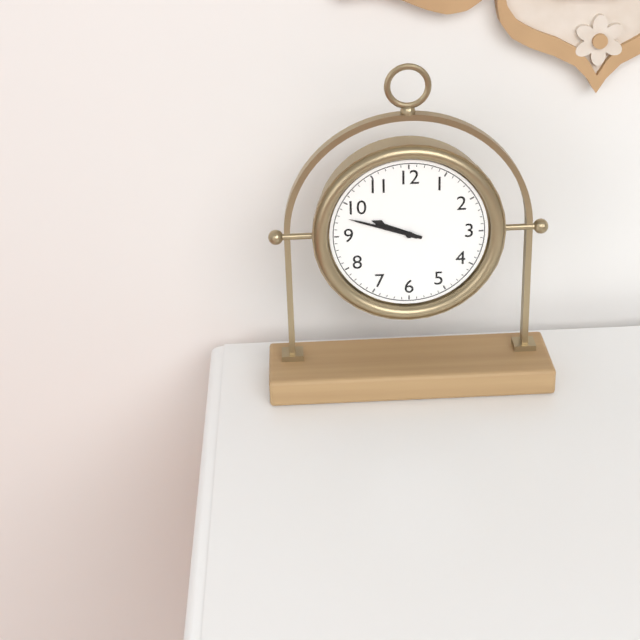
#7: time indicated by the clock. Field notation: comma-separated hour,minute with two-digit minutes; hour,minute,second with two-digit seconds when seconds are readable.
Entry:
9,48
